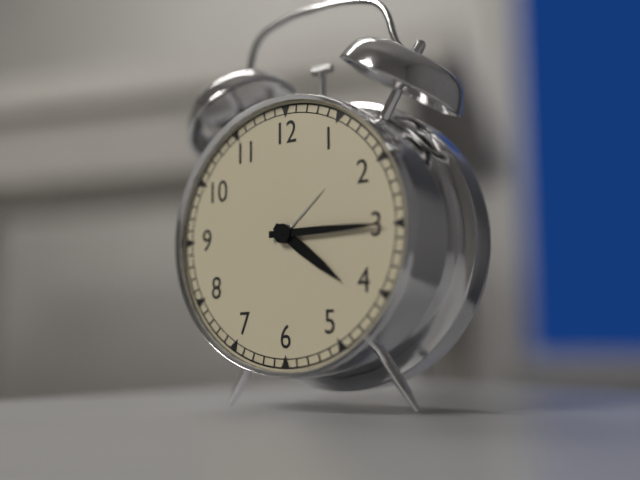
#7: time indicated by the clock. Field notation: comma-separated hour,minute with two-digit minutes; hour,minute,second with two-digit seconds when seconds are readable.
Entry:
4,15
